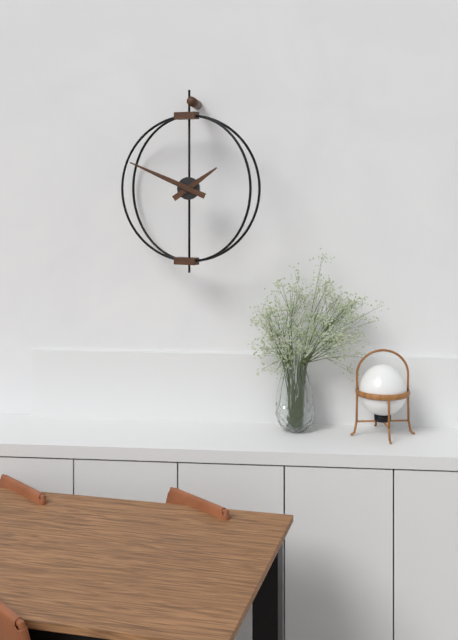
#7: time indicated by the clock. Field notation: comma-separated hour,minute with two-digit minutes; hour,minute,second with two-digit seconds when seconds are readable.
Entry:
1,49
